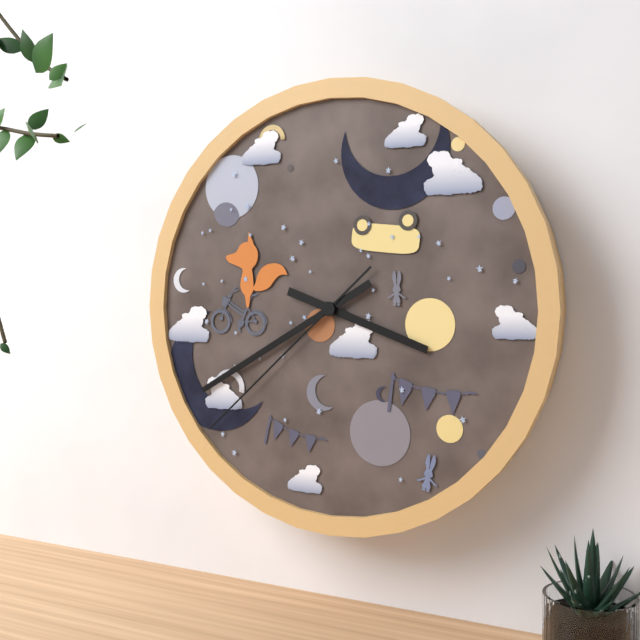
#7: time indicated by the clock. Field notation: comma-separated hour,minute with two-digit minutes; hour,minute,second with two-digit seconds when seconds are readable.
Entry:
3,40,38
